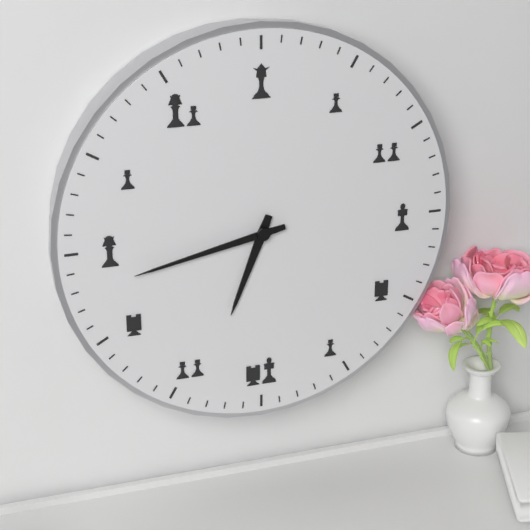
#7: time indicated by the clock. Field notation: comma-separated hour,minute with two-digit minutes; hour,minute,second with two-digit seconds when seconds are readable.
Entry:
6,43
